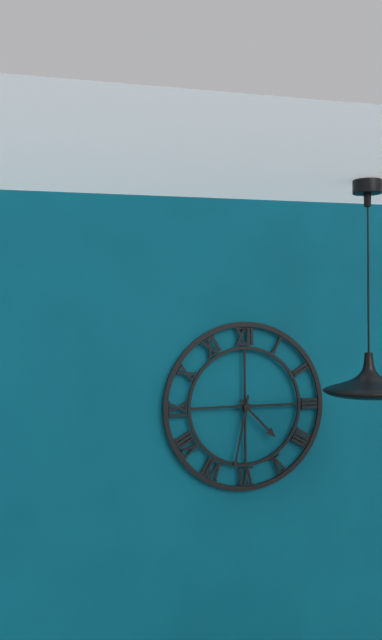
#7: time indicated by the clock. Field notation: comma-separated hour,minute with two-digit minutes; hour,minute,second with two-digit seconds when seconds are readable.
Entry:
4,32
